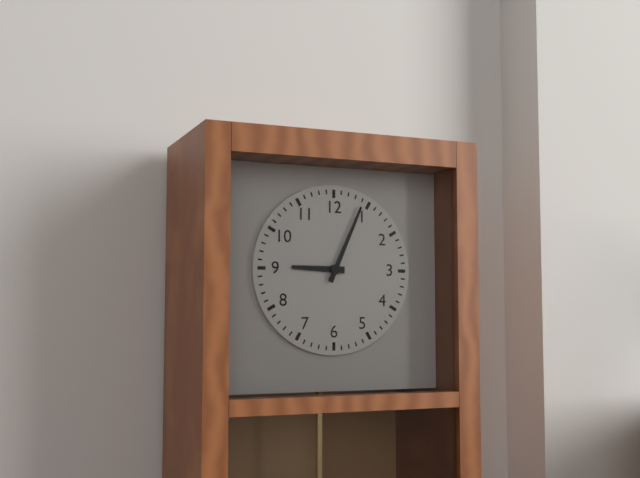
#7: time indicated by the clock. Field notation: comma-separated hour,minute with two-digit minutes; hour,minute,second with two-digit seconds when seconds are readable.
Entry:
9,04
